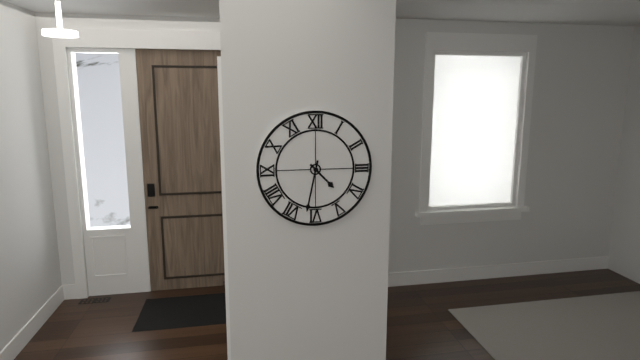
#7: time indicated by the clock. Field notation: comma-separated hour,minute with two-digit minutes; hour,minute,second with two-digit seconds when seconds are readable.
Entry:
4,32
